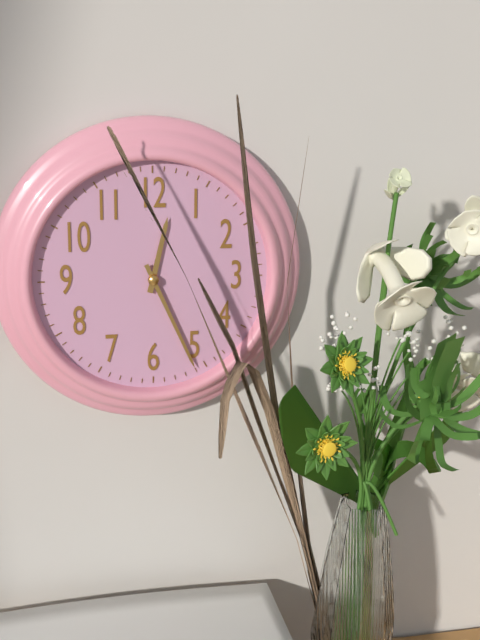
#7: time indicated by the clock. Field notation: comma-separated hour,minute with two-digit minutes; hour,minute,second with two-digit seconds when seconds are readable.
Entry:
12,26
